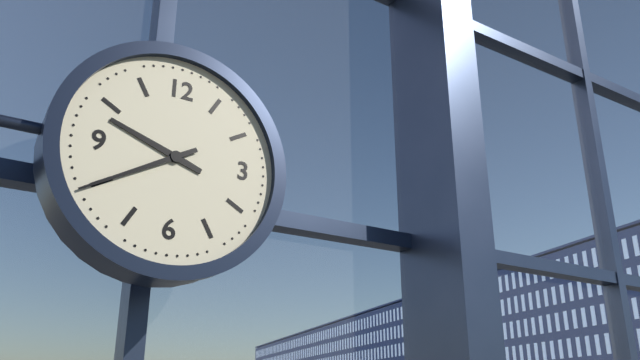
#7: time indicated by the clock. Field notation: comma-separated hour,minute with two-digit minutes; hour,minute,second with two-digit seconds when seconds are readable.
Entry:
9,40
